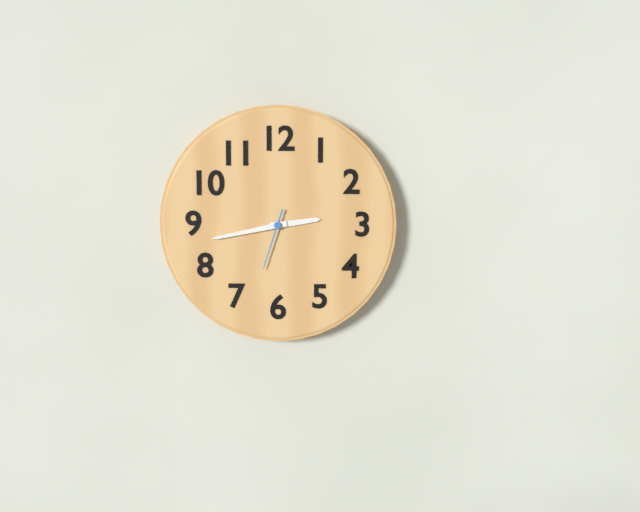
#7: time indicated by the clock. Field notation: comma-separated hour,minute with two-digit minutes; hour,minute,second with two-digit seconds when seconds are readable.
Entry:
2,43,33
